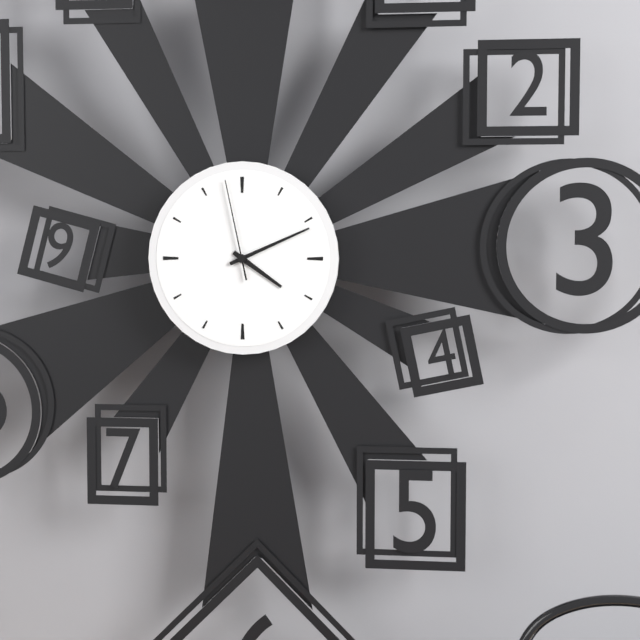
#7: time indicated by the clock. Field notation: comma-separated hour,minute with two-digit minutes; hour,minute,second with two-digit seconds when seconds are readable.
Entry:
4,11,58
